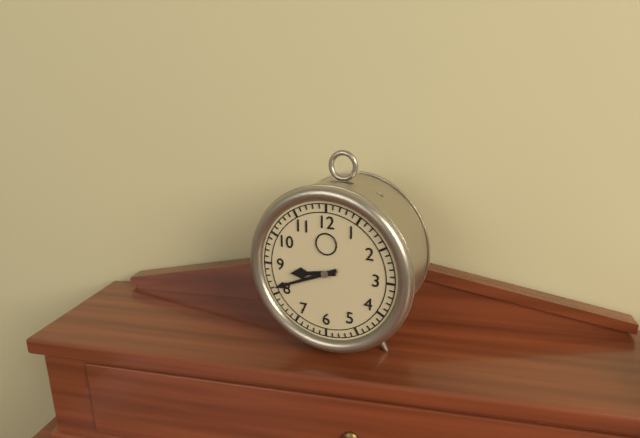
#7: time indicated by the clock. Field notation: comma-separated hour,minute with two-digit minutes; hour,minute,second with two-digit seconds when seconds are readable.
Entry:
8,41
